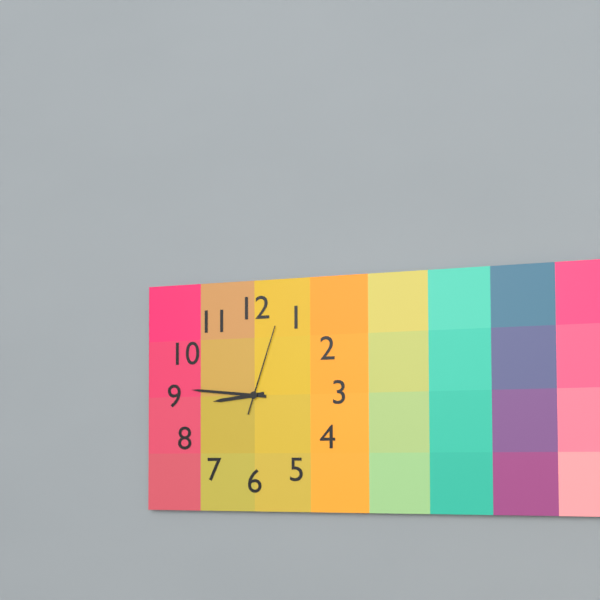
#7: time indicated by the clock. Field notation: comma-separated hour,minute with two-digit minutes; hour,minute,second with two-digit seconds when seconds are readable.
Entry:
8,46,03
